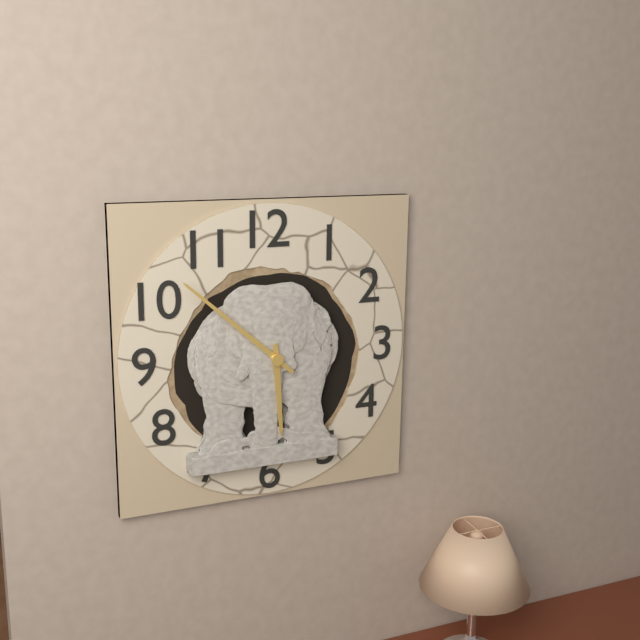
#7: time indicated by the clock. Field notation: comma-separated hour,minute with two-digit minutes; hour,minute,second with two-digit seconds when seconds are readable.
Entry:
5,52
